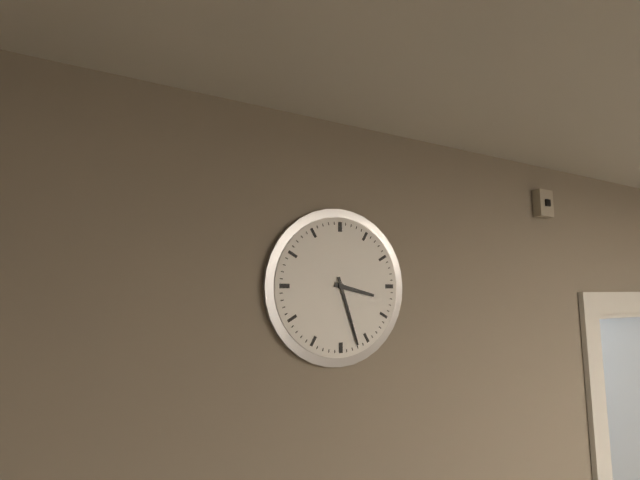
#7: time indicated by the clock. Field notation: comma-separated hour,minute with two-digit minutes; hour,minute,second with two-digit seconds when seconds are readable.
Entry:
3,27
